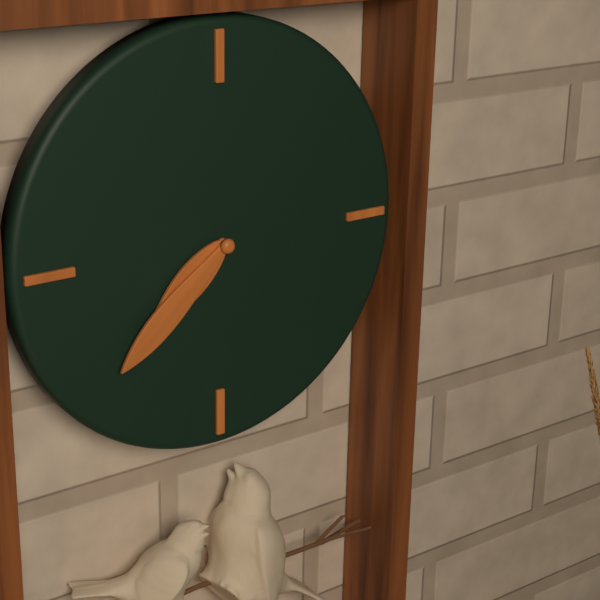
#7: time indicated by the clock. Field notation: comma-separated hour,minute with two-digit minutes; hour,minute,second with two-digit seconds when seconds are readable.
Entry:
7,38
